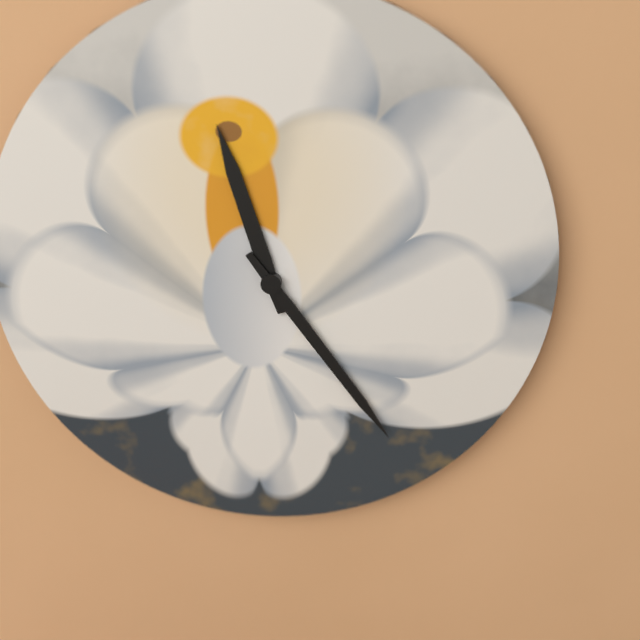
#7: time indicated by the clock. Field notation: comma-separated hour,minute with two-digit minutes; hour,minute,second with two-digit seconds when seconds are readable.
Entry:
11,24
